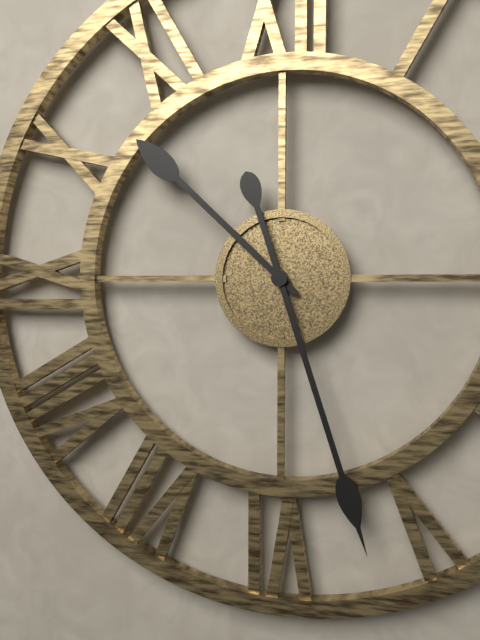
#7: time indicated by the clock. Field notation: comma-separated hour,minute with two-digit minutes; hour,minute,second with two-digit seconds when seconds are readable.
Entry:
10,27
